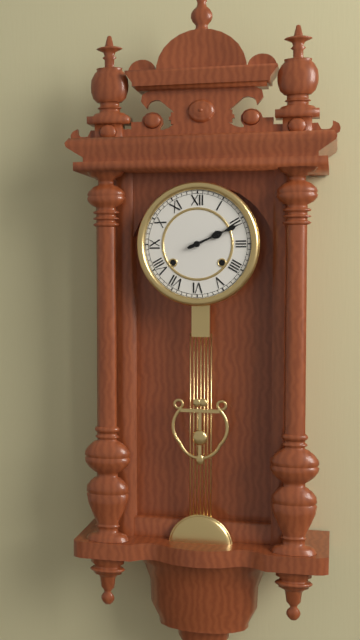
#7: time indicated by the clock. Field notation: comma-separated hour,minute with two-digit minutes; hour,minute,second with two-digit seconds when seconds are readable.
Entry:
2,11
